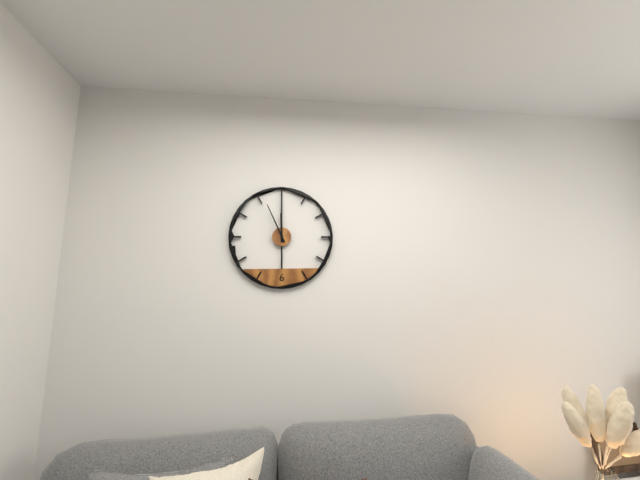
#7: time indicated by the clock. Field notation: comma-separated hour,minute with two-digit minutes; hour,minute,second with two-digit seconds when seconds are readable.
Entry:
11,56
